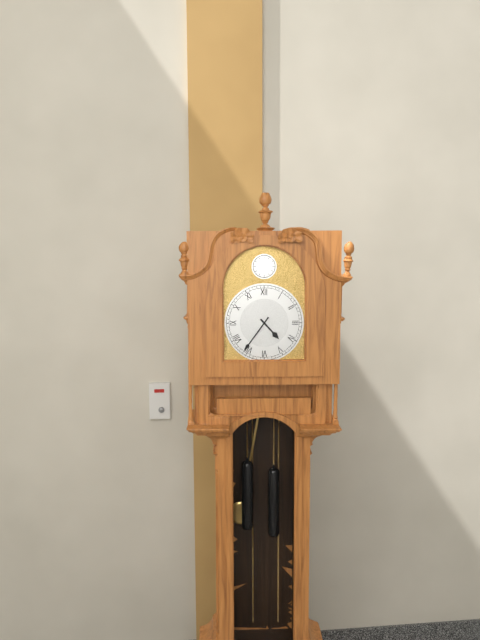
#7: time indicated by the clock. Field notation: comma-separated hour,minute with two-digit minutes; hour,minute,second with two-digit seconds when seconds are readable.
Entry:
4,36
